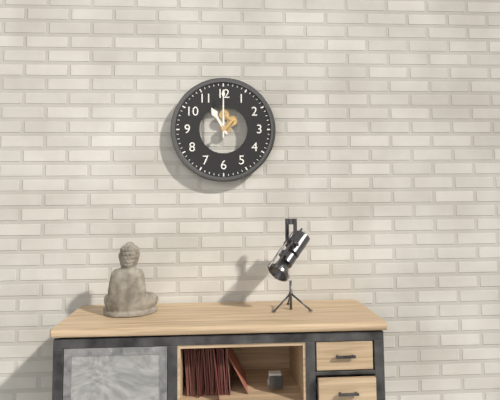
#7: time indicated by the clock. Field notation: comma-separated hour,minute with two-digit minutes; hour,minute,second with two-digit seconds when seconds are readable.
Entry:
11,00
